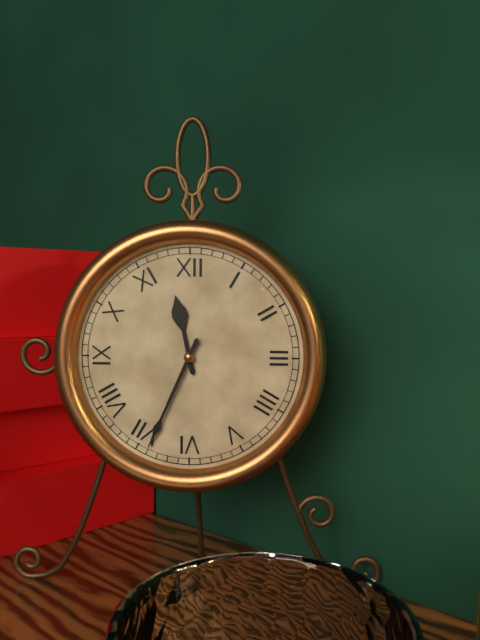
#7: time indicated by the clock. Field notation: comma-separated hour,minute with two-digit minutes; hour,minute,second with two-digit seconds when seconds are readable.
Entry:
11,34
